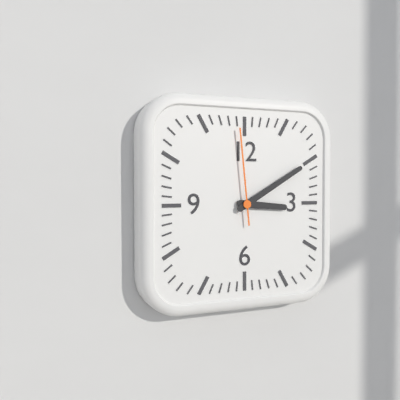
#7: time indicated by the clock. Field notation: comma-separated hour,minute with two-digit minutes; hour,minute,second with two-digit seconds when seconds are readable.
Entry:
3,10,59
